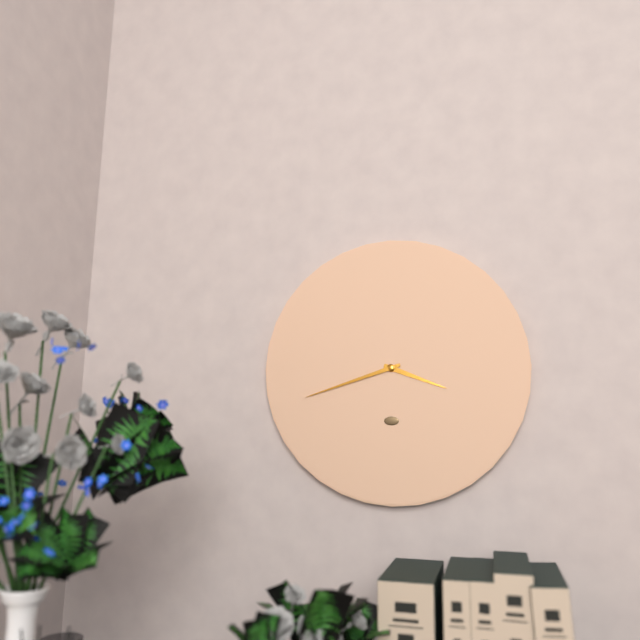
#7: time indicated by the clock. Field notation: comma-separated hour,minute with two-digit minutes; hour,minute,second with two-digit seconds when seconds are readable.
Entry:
3,42
